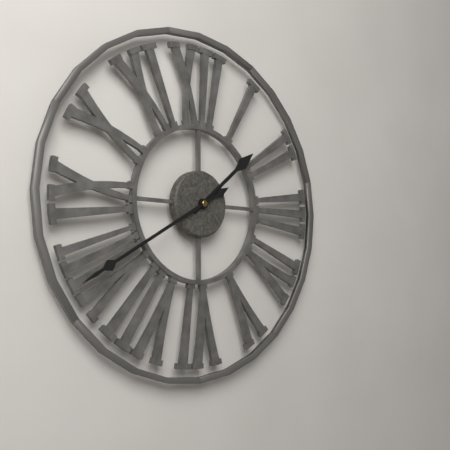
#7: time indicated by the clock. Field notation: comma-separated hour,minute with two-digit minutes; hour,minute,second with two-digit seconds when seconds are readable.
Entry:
1,40
